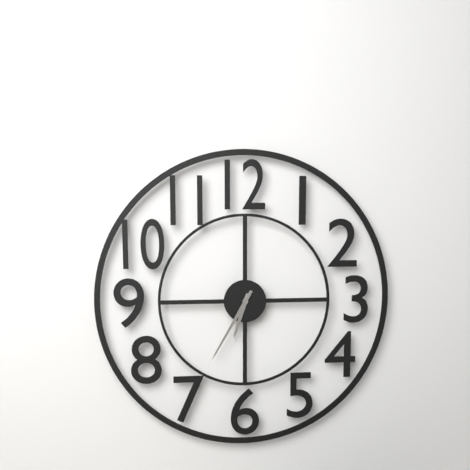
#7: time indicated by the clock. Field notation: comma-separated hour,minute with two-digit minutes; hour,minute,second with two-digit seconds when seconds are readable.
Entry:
6,35
